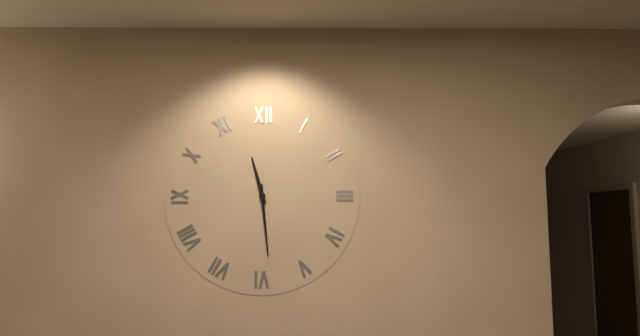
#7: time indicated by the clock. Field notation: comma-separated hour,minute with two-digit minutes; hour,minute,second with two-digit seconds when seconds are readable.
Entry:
11,29
